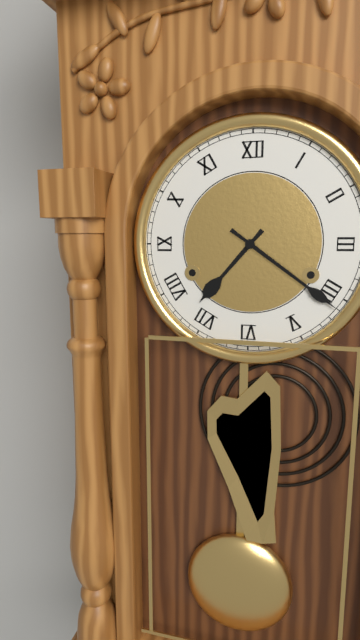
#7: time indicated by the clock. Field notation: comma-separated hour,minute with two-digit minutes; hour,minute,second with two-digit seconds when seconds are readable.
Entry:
7,21
